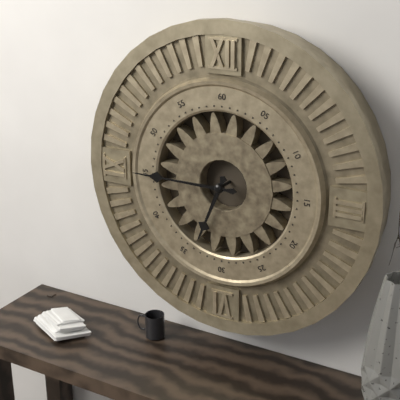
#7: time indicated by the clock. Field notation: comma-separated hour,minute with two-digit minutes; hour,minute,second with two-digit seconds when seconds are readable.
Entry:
6,45
